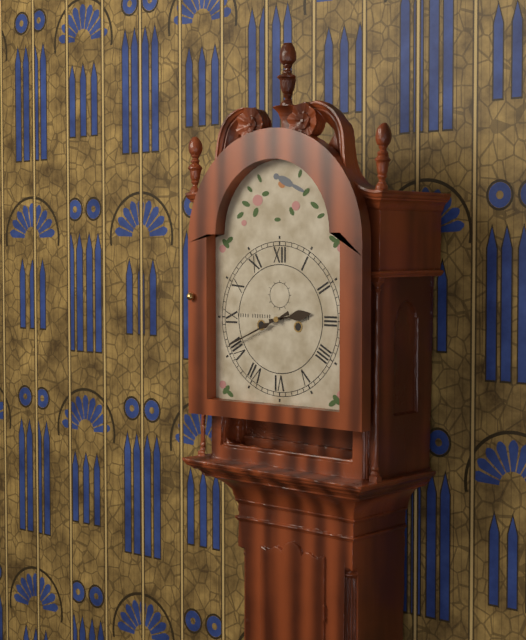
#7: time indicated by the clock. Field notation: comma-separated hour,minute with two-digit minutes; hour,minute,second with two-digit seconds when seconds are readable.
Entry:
2,41
